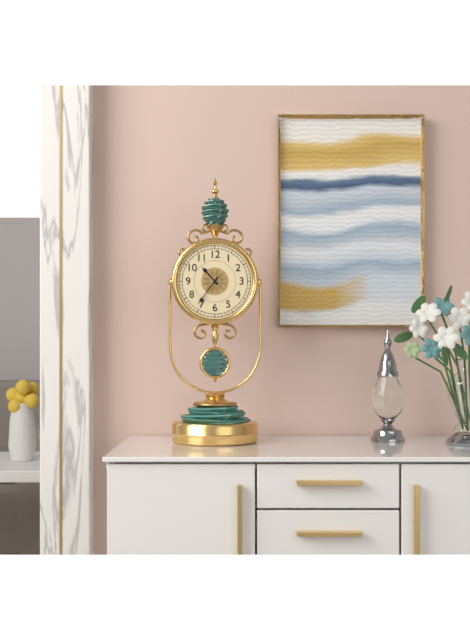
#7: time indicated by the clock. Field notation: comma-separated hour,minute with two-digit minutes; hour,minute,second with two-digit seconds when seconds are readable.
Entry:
10,36
